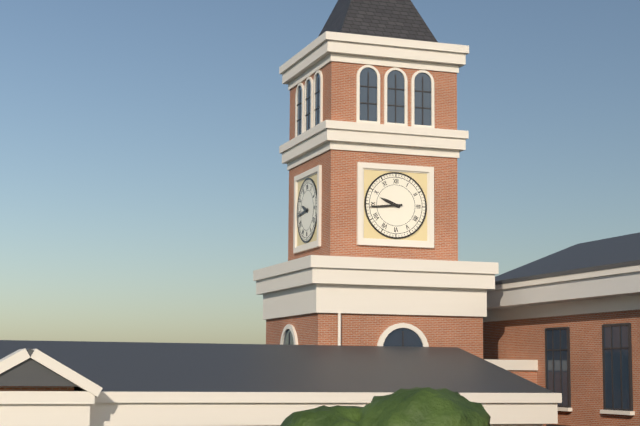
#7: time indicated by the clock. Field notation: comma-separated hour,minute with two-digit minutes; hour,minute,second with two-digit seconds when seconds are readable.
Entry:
9,44
